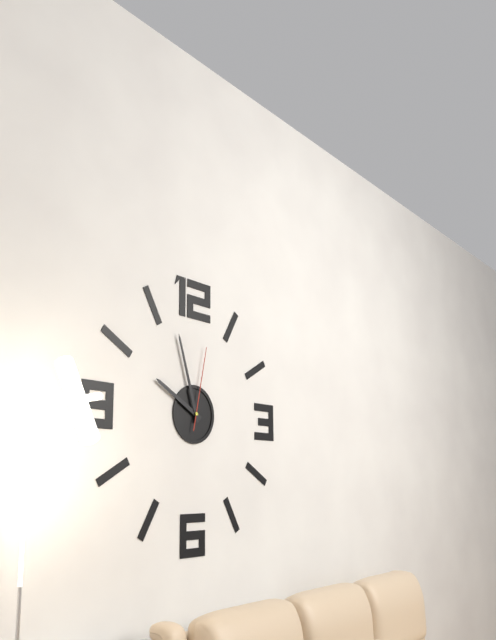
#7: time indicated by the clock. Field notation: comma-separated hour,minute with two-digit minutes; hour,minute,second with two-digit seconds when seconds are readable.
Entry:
9,57,02
